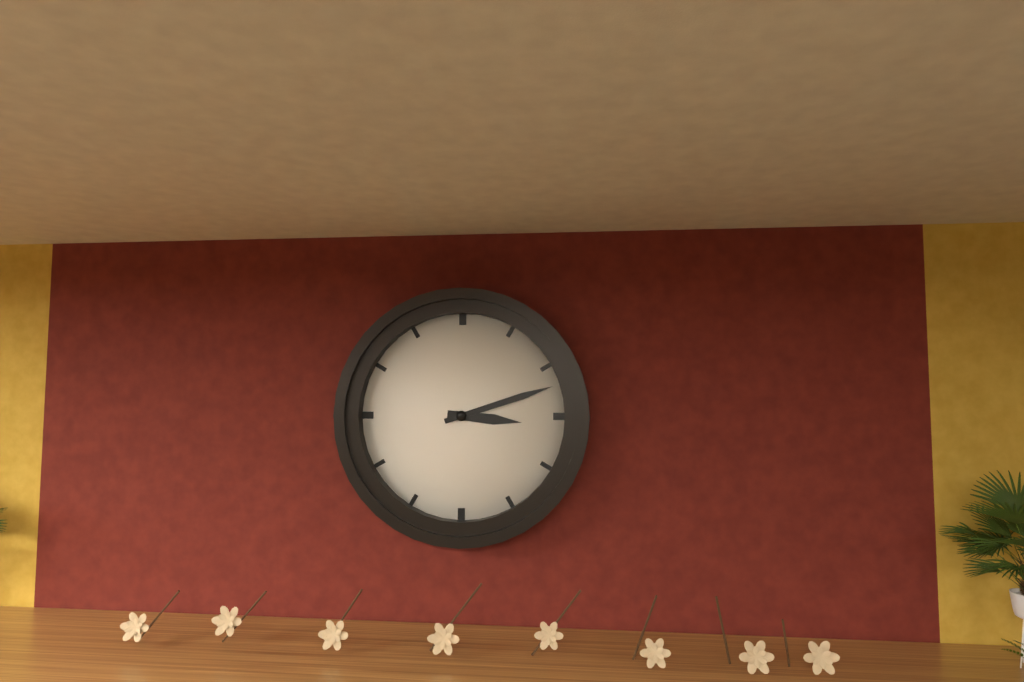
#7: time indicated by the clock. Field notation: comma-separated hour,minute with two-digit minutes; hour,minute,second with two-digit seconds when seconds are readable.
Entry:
3,12
